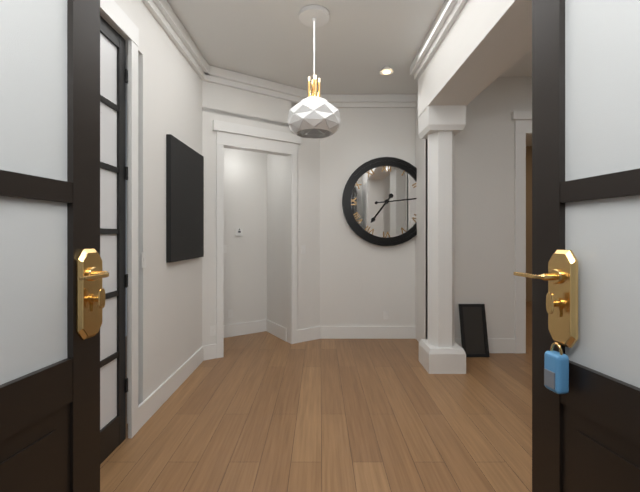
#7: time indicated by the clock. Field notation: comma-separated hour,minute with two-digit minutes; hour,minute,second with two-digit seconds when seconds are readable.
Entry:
7,14
